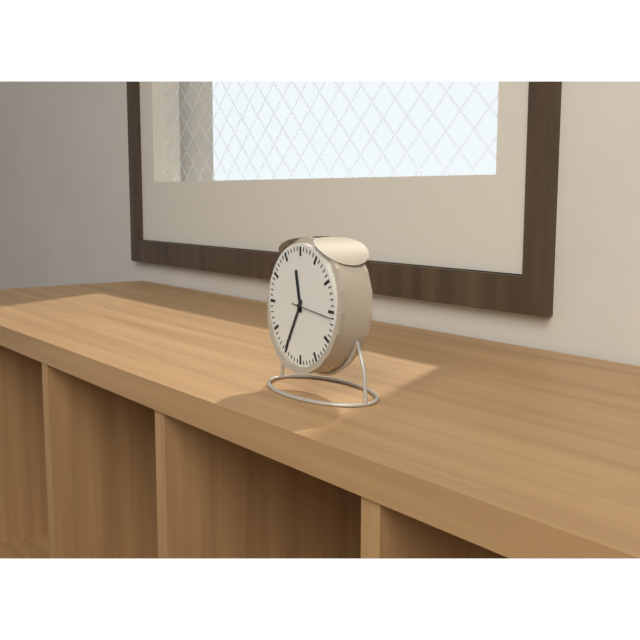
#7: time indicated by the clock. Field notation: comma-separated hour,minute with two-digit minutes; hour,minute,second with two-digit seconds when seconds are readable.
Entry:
11,35
